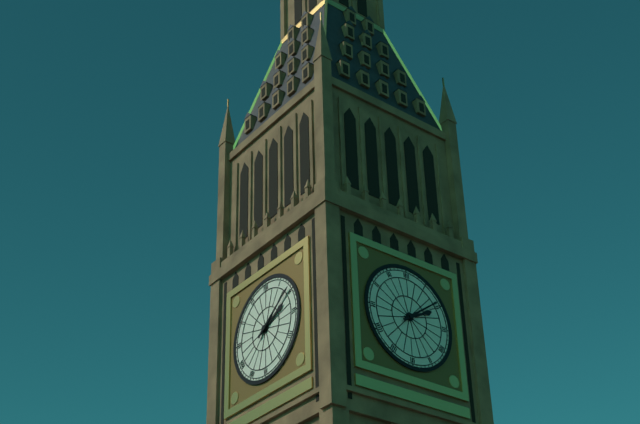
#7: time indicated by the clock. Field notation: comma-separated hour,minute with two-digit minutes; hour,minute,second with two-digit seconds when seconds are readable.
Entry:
2,09
